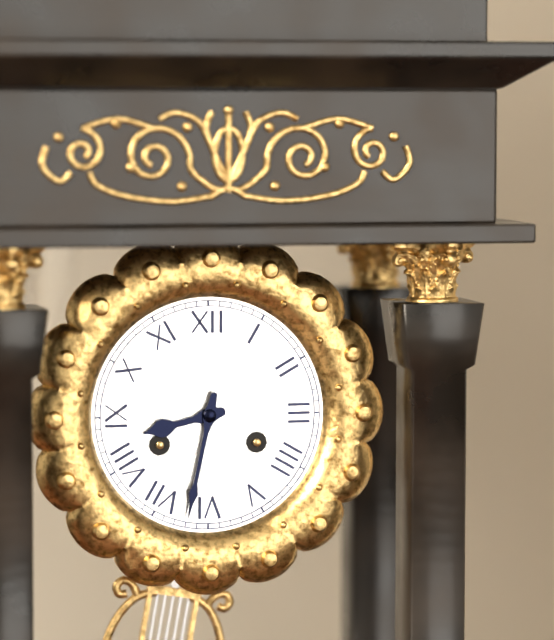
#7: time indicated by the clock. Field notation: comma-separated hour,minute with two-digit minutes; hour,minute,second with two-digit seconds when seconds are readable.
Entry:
8,32
